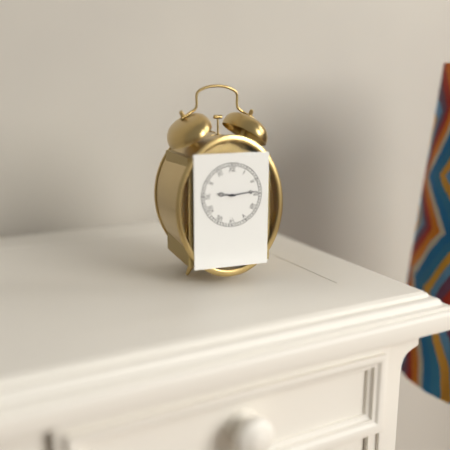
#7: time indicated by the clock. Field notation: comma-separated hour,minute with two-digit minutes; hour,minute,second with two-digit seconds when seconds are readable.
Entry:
9,14
